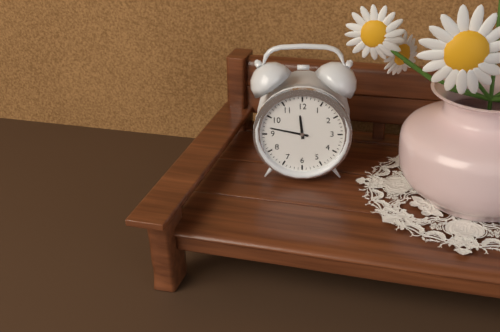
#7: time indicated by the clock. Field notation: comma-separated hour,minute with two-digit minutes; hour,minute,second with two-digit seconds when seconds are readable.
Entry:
11,47
